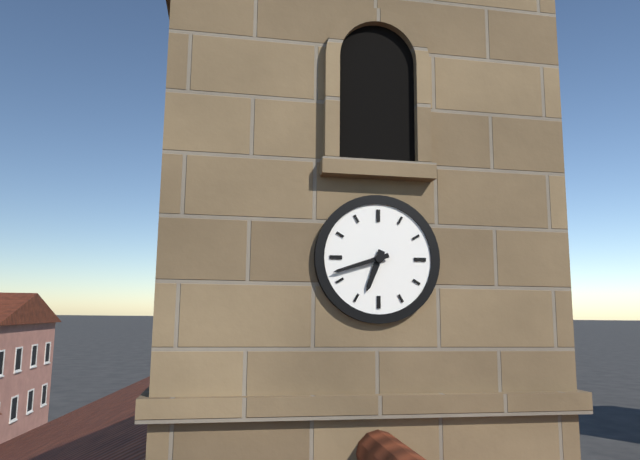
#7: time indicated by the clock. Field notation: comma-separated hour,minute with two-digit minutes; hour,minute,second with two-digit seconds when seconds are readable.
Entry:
6,42
